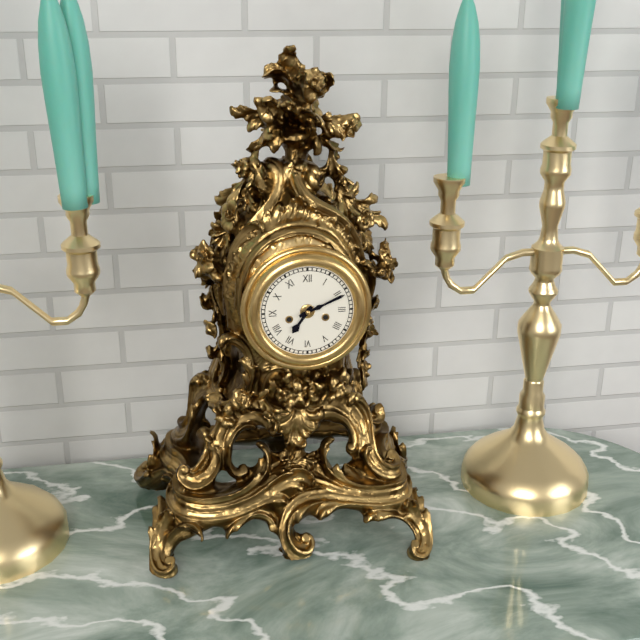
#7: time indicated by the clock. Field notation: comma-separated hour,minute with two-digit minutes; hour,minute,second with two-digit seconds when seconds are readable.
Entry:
7,11
